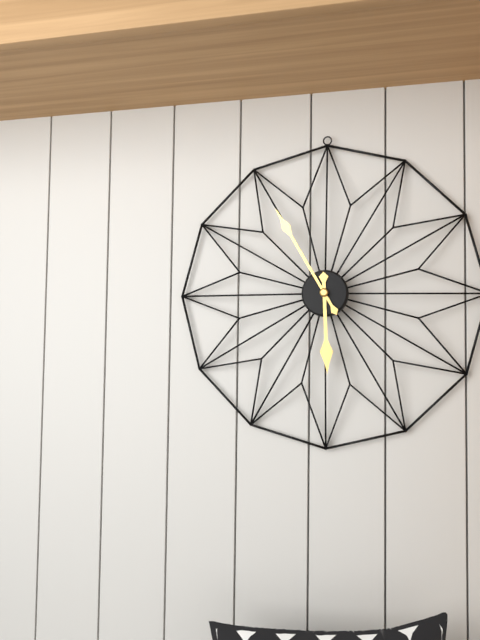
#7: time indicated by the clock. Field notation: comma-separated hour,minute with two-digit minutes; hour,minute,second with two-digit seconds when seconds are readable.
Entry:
5,55
